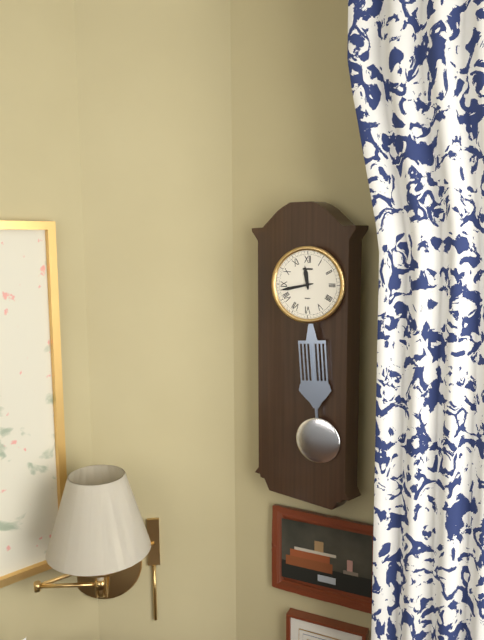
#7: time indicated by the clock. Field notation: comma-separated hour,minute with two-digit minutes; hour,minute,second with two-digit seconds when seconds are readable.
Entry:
11,43
